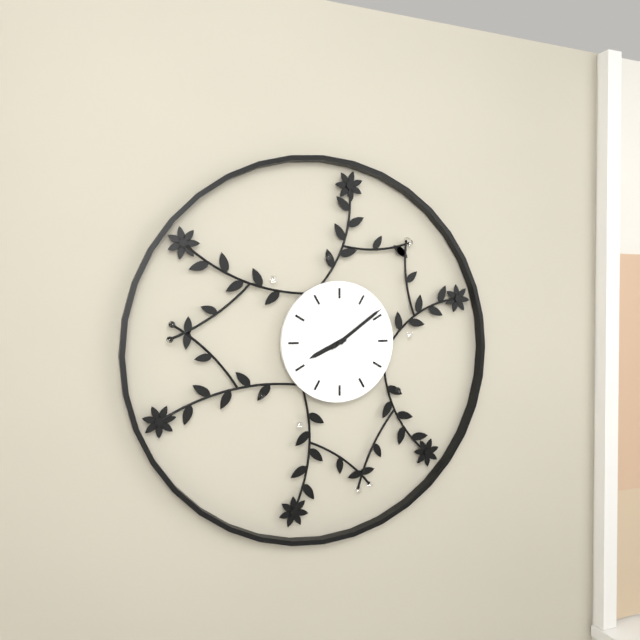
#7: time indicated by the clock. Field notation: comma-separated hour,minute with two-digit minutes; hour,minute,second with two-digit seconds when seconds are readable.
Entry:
8,09,09
